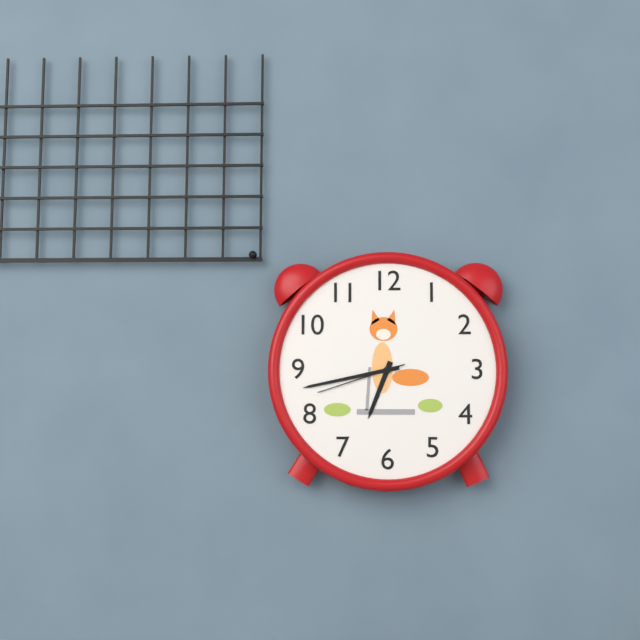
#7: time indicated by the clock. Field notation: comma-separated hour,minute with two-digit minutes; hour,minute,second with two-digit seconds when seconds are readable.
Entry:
6,43,42
